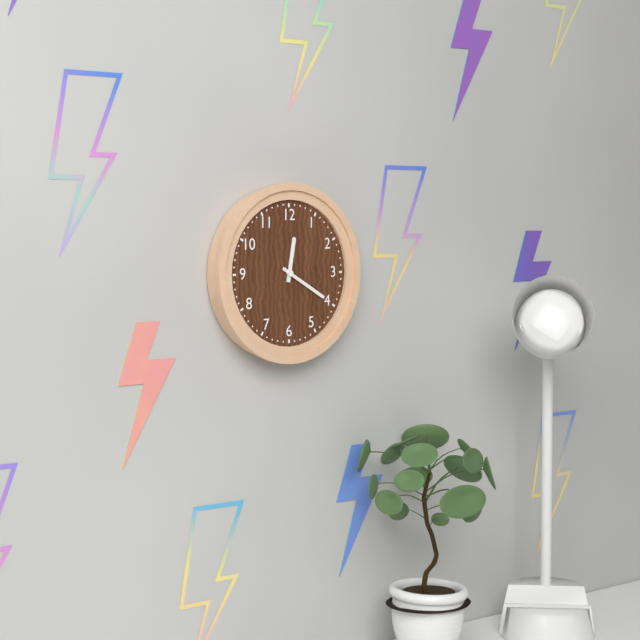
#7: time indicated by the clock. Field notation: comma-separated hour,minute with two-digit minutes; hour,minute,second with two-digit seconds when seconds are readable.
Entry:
12,20
